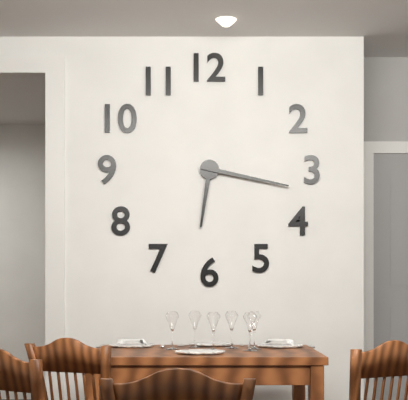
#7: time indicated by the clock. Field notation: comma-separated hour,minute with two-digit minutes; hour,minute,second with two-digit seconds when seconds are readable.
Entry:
6,17
